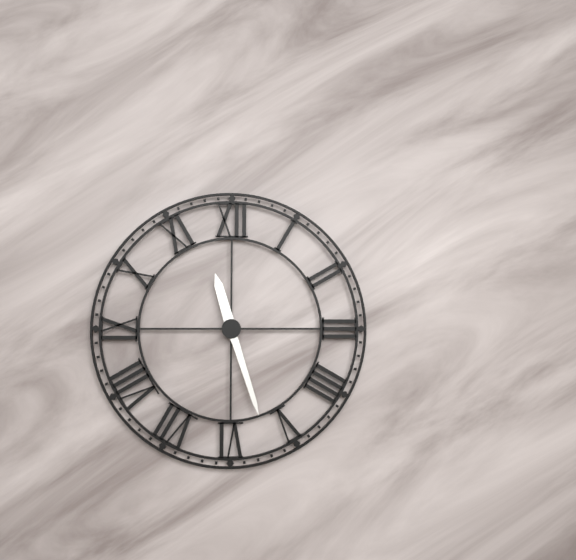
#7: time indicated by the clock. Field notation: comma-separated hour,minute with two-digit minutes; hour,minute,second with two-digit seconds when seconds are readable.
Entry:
11,27
